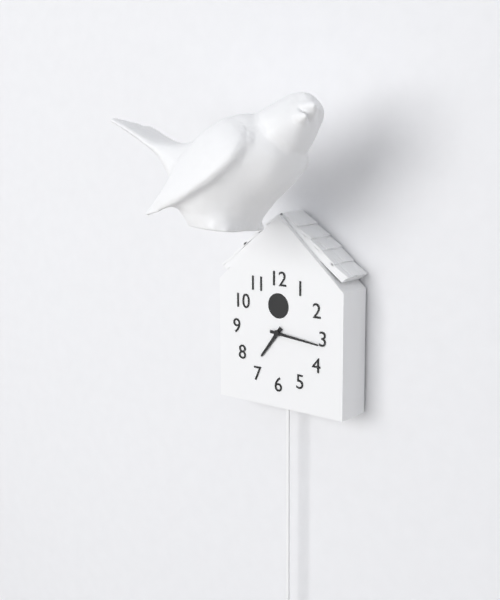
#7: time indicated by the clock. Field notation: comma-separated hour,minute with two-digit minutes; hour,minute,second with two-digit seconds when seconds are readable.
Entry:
7,16
